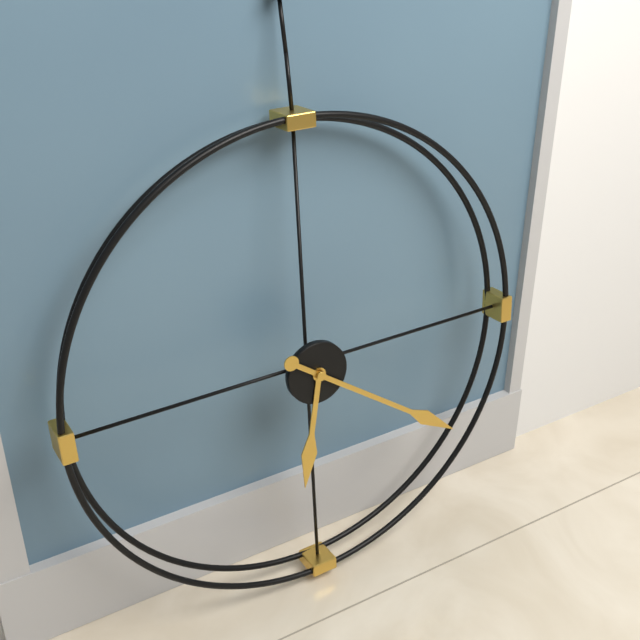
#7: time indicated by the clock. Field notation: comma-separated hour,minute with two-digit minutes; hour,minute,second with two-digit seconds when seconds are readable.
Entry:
6,21
